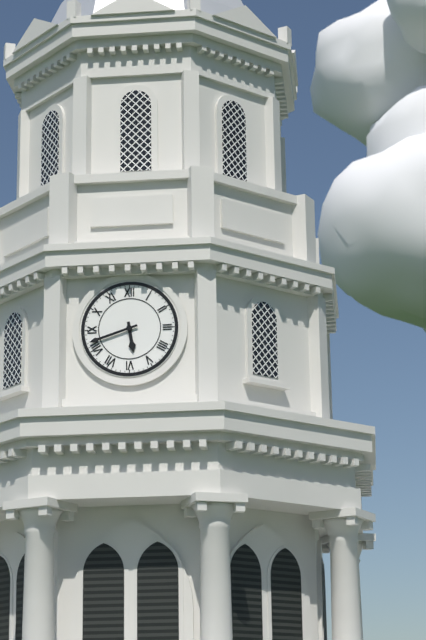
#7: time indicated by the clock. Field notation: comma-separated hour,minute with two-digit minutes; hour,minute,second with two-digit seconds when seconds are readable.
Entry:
5,42
